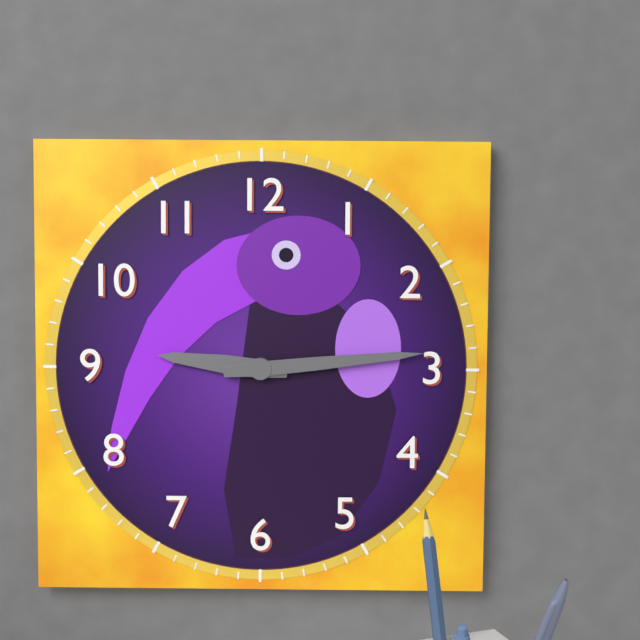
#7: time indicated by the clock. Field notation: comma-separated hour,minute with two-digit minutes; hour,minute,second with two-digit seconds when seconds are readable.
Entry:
9,14
